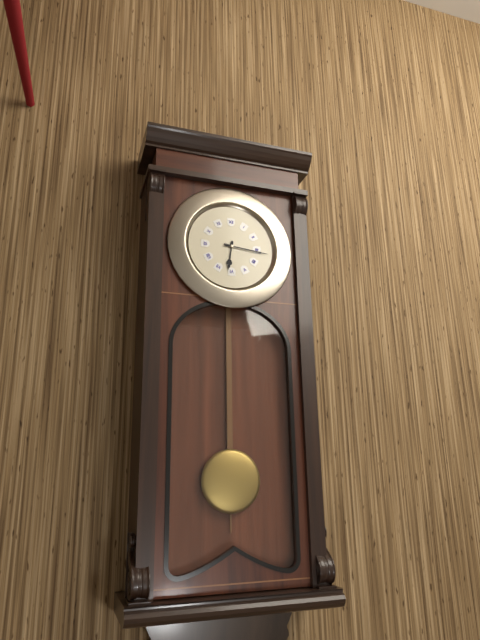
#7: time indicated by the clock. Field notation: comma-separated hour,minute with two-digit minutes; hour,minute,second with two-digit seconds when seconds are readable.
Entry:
6,16
